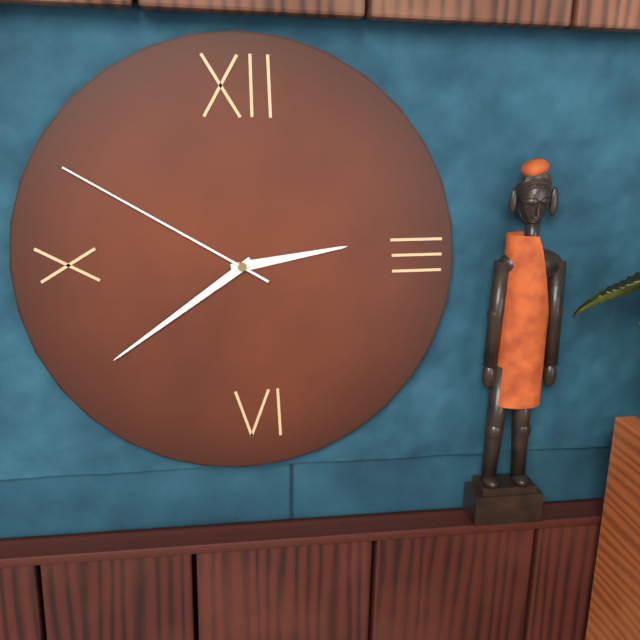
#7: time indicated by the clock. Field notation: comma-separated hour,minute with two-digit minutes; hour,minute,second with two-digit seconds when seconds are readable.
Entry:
2,39,50
